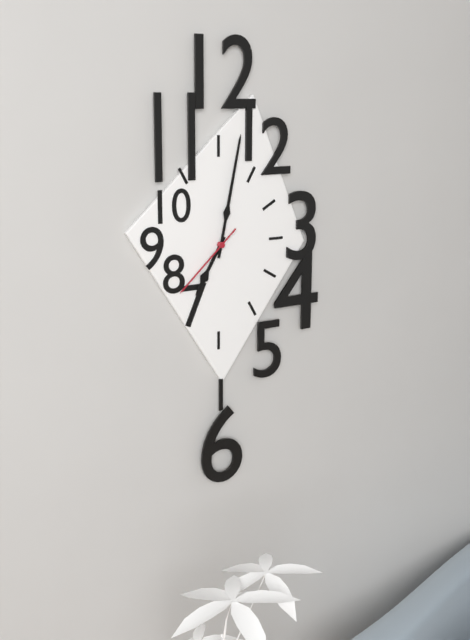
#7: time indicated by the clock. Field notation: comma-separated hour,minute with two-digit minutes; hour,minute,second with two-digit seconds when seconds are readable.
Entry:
7,02,38
